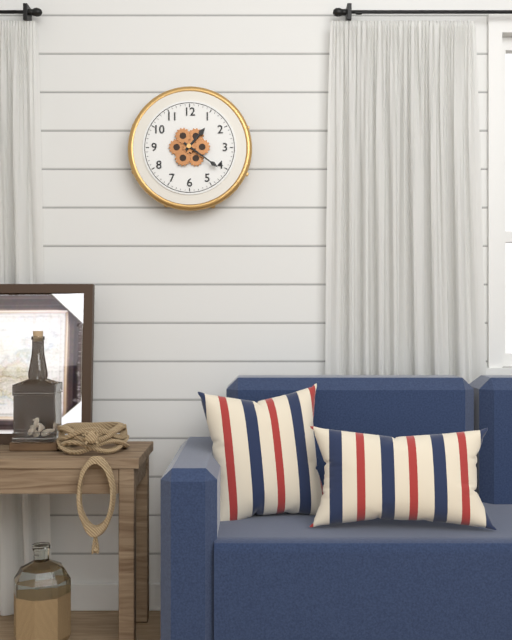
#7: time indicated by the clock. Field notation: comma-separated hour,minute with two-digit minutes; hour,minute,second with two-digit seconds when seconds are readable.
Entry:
1,21
